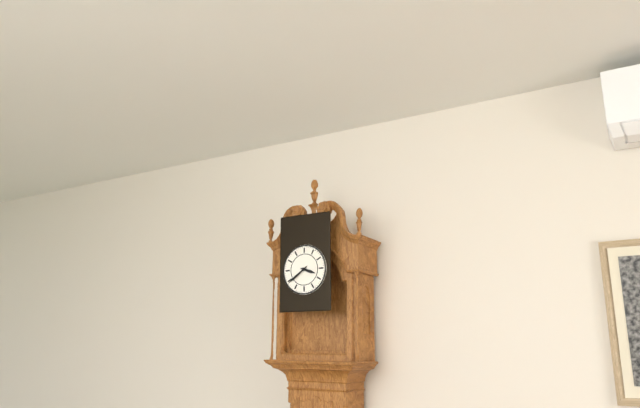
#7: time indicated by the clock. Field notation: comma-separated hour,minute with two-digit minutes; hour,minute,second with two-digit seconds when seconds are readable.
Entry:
3,39
